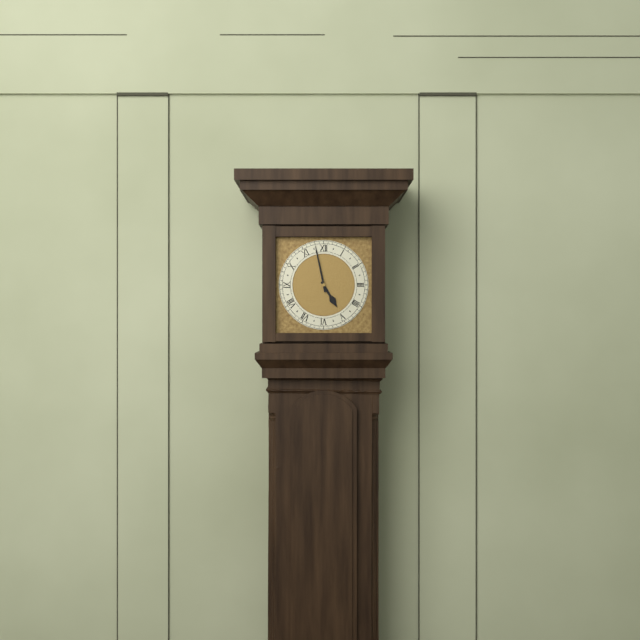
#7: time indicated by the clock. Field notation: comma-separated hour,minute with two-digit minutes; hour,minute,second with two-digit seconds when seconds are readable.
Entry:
4,58
